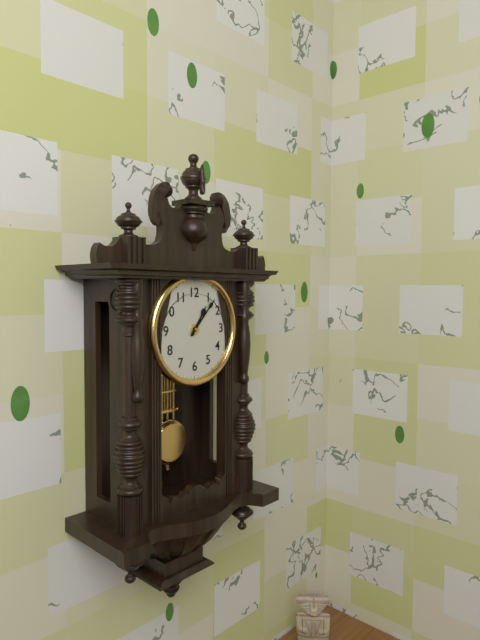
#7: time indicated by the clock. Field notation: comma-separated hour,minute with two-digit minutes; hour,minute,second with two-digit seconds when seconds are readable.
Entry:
1,07
